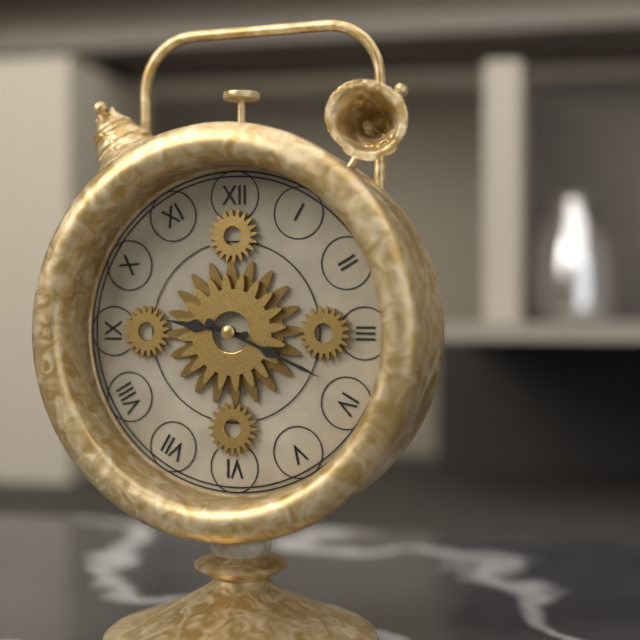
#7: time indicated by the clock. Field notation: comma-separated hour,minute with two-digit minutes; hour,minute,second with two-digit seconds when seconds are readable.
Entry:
9,19
